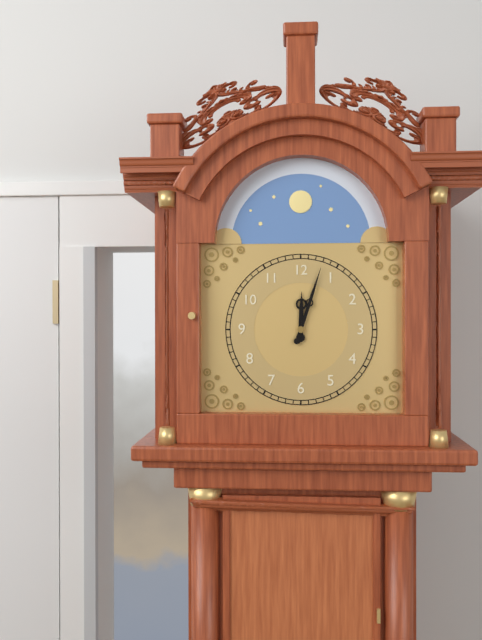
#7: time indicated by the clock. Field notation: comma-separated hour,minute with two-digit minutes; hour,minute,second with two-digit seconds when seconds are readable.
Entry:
12,03
